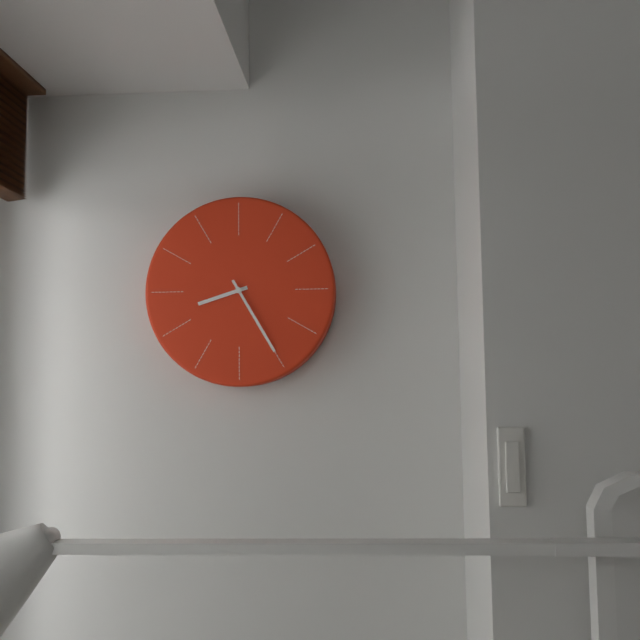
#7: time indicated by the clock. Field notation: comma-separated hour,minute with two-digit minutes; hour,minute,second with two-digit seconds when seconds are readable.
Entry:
8,25
